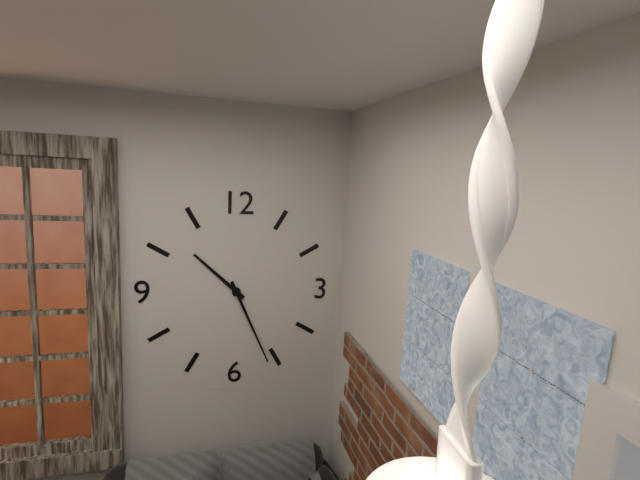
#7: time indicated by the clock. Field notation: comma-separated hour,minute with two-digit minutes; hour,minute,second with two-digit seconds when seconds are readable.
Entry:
10,26
